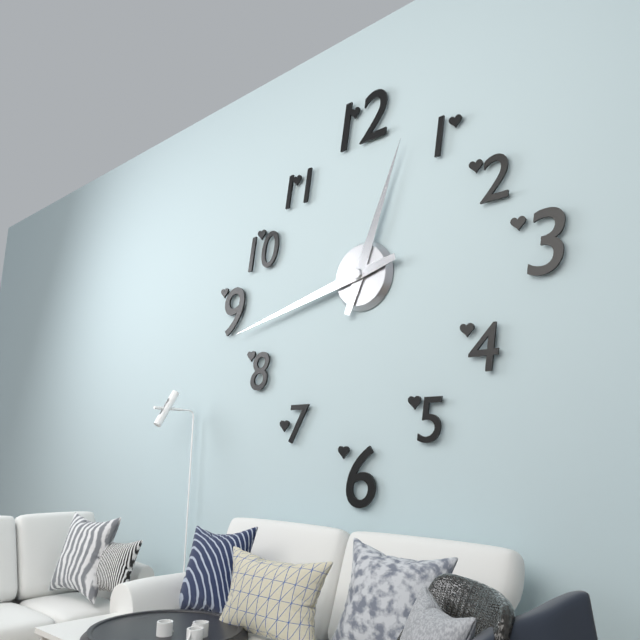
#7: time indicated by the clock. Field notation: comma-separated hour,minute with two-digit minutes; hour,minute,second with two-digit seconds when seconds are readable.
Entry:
12,43
